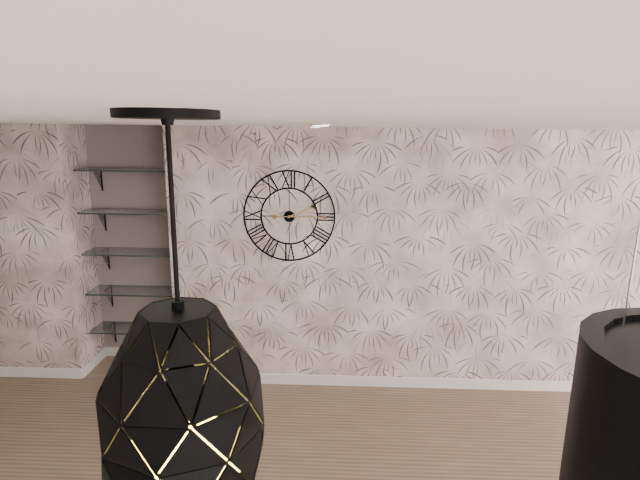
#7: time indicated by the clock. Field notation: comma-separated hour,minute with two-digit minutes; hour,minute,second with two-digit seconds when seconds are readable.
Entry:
2,15
